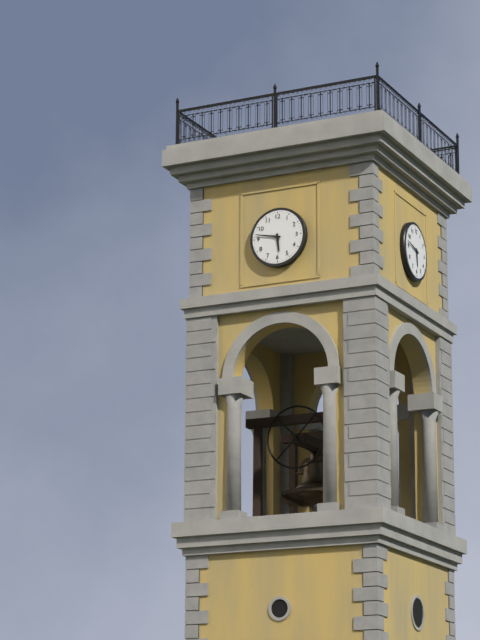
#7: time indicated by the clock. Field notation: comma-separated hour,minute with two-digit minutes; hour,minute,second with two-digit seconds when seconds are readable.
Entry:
5,47
